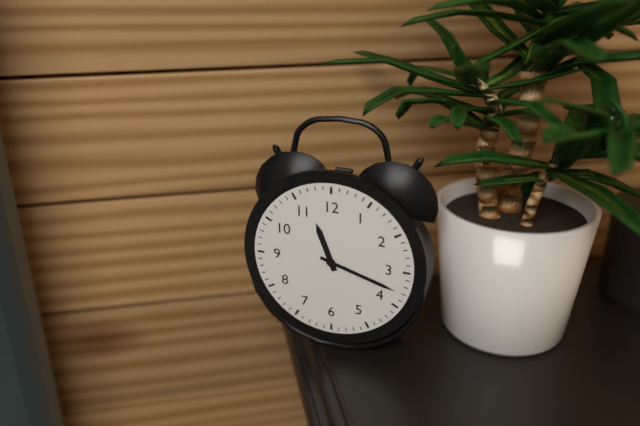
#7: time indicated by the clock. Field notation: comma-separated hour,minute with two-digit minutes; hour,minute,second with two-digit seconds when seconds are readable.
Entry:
11,18
